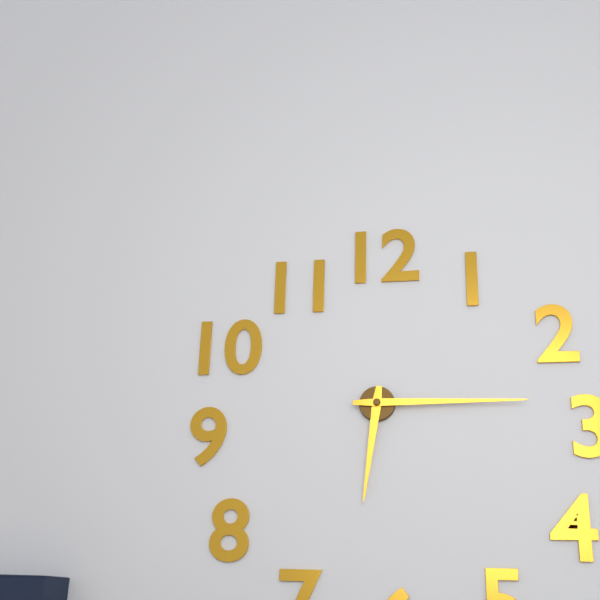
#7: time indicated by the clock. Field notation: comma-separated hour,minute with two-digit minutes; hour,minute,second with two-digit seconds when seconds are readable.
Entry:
6,15
